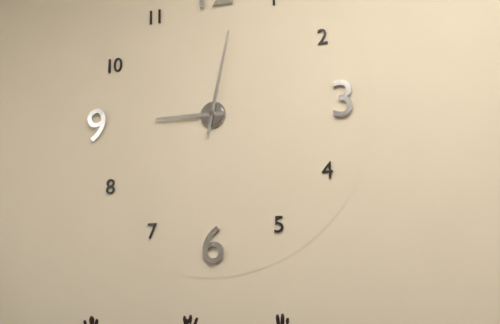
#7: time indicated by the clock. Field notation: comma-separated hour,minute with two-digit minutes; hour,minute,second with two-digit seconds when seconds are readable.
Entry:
9,02
